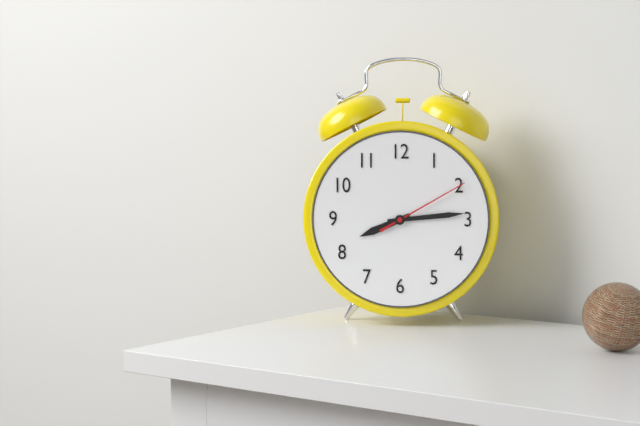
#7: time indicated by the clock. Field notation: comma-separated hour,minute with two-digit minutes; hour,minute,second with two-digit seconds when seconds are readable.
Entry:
8,14,10
